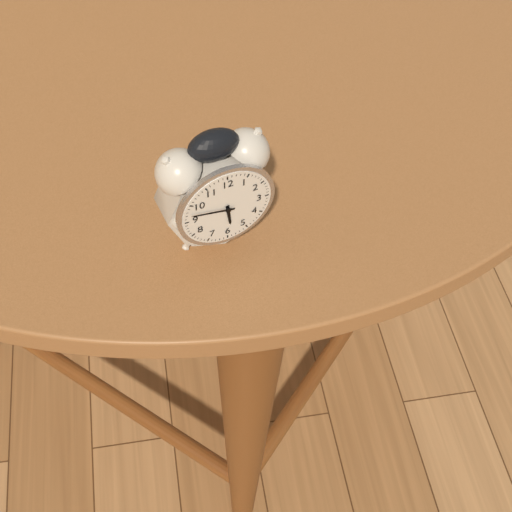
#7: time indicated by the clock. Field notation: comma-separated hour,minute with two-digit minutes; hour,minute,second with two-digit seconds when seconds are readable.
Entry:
5,47
